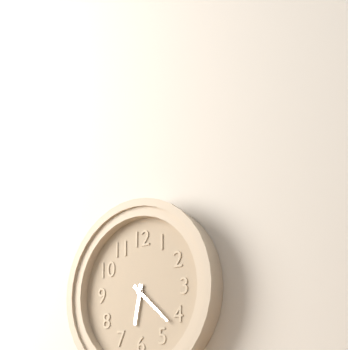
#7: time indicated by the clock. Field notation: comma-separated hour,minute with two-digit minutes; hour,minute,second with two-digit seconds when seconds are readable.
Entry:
6,22
